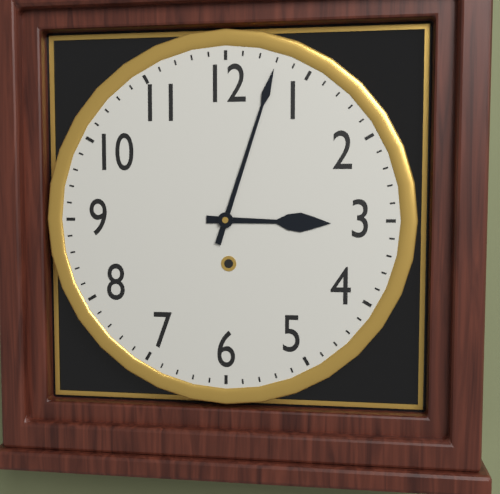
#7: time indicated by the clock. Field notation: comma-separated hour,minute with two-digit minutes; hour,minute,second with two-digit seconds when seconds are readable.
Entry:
3,03
